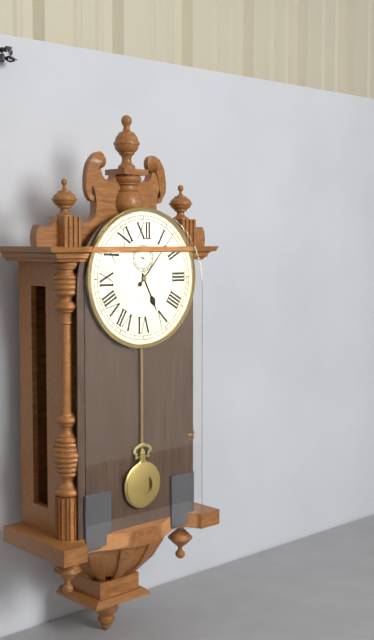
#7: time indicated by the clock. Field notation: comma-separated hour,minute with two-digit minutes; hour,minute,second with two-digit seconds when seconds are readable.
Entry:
5,07
